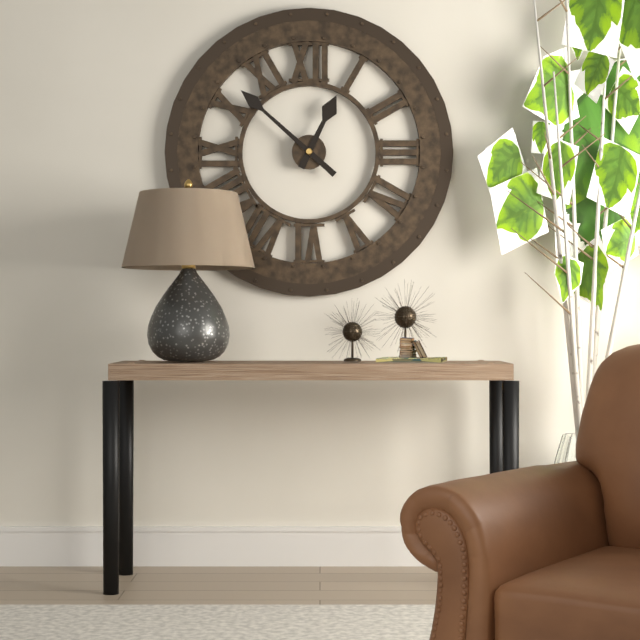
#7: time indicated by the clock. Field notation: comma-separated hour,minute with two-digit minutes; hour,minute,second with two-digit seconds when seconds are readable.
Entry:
12,52
